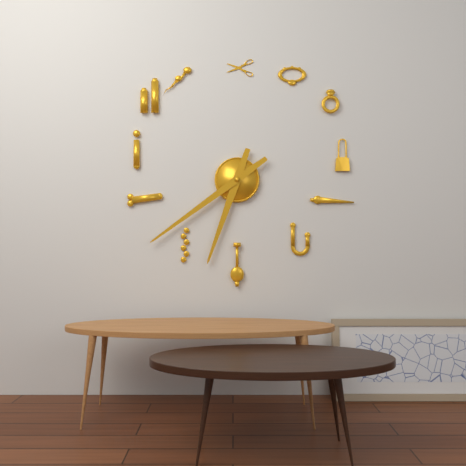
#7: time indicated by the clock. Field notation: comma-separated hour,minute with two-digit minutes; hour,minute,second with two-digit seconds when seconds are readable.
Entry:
6,39
